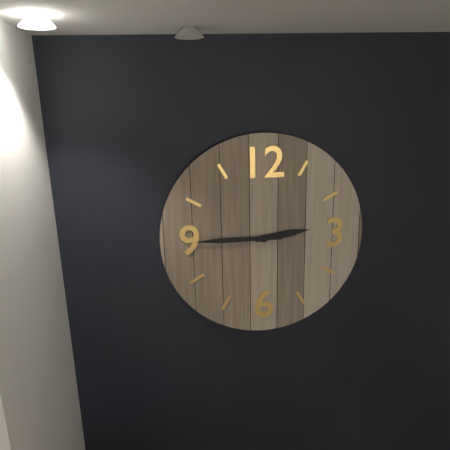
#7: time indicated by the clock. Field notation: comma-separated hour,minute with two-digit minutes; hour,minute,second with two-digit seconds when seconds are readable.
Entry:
2,45
